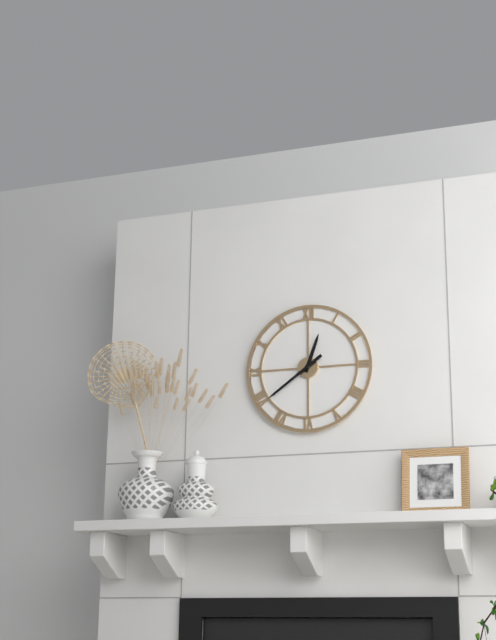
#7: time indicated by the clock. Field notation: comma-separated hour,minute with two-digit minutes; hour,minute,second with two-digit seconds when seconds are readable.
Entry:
12,39
